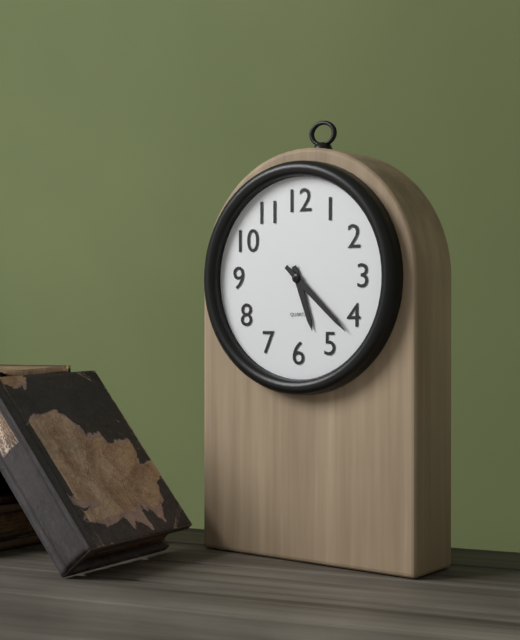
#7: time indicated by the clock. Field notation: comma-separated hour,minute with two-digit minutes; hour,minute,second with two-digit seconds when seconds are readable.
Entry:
5,22
